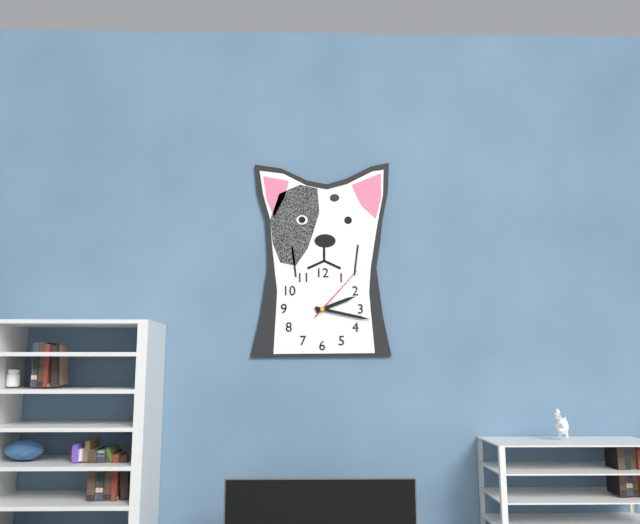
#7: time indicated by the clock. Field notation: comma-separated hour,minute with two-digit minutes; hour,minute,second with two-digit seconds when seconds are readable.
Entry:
2,17,07
